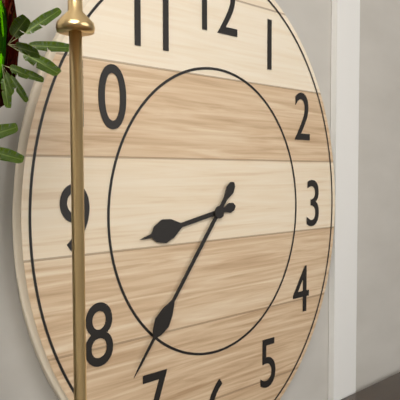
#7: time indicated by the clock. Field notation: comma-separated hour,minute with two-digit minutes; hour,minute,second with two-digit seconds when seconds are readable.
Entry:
8,36
